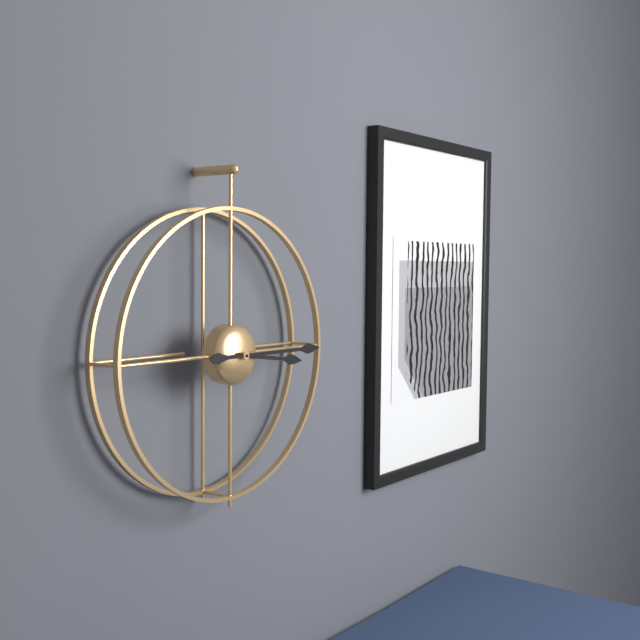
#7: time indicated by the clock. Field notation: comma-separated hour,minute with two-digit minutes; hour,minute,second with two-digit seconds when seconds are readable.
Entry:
3,15
